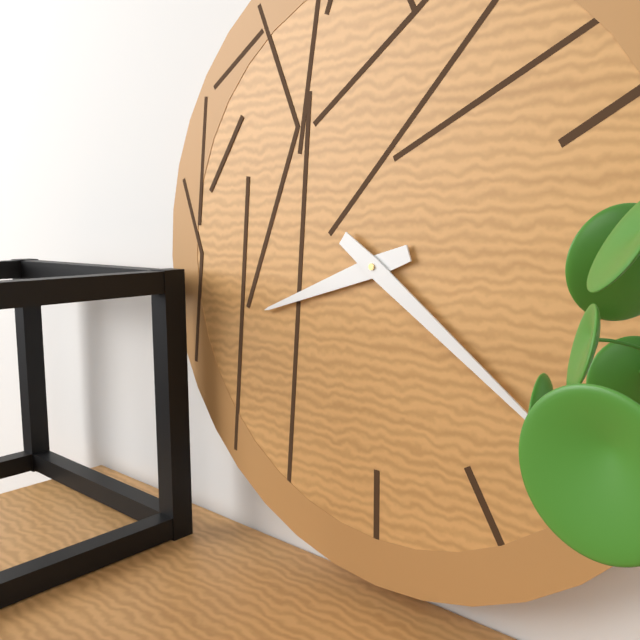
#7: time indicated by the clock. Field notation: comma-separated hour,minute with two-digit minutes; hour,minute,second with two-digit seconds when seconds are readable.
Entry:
8,21
